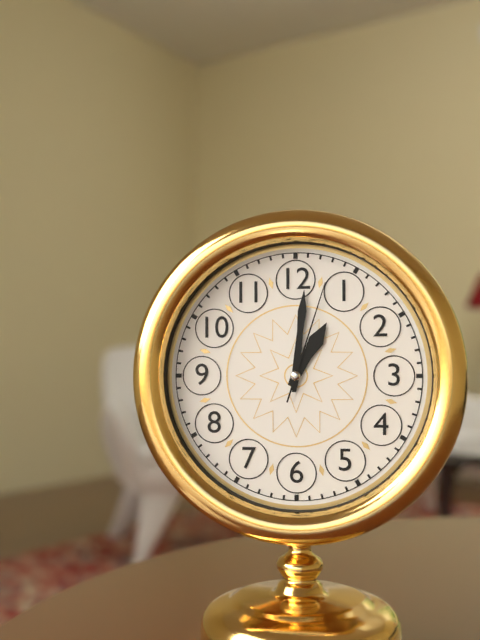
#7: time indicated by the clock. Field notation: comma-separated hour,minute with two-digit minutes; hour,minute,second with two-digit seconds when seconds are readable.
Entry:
1,01,03
